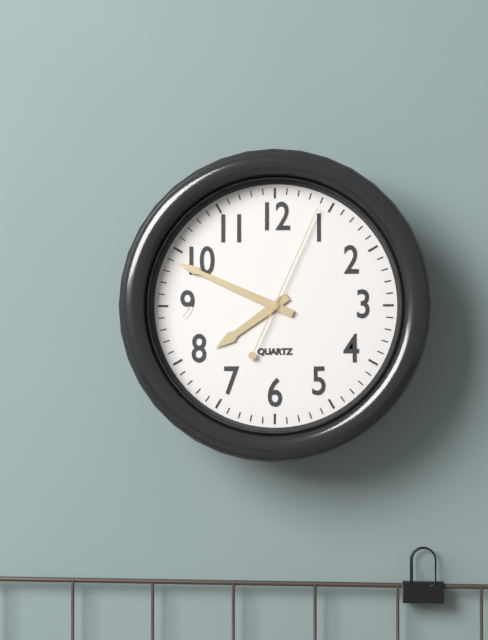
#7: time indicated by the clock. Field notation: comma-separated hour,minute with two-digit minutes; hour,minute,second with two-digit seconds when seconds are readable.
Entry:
7,49,04
